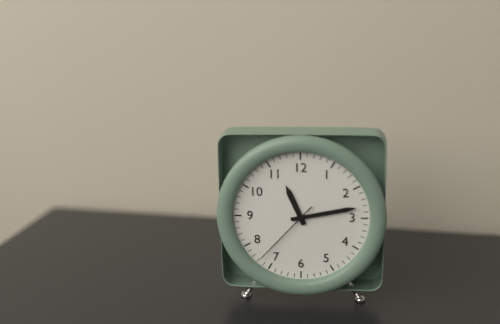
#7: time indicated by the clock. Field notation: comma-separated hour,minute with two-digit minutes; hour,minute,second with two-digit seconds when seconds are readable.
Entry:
11,13,37
